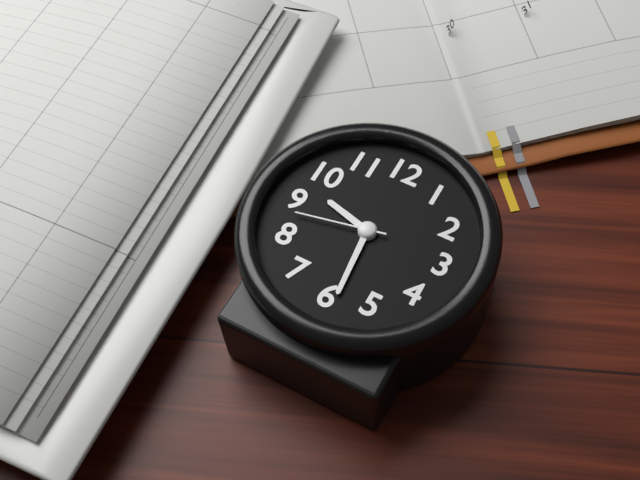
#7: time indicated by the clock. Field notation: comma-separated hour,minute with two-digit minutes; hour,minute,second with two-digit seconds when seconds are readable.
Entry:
9,29,43
